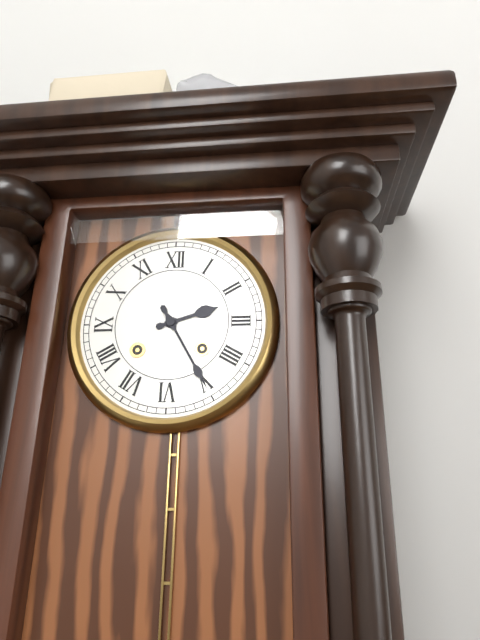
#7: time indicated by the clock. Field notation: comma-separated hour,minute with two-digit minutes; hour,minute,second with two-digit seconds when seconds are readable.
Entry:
2,25
